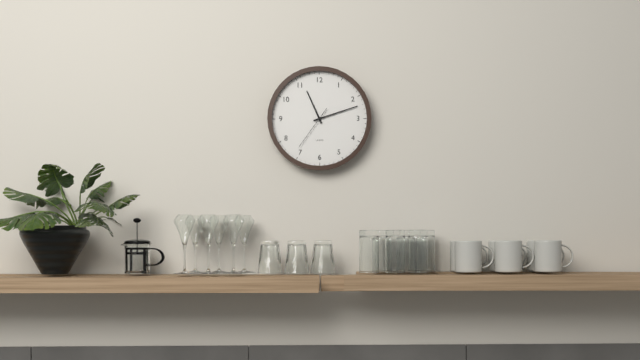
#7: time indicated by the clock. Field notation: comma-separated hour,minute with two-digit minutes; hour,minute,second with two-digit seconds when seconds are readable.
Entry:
11,12
